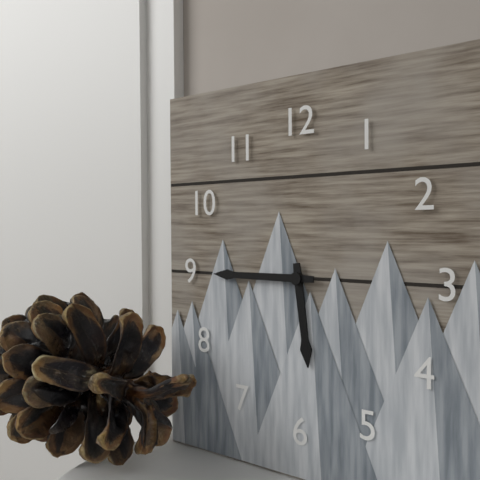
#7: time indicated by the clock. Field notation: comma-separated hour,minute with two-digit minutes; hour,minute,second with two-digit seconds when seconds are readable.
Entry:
5,45
